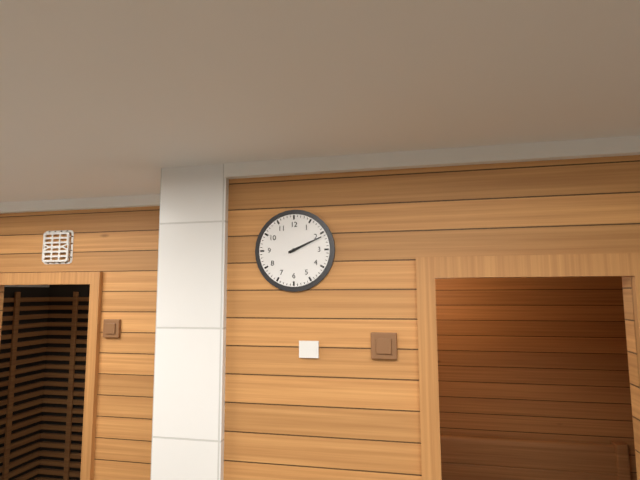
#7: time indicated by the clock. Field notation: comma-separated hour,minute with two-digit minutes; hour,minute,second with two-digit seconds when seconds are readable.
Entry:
2,11
